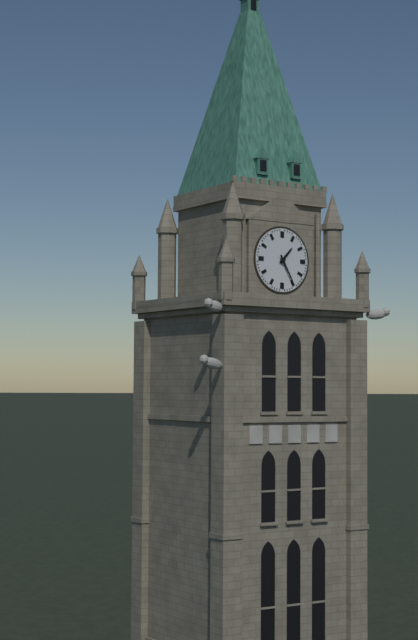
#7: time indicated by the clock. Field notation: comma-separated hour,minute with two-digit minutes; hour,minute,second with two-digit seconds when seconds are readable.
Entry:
1,25
